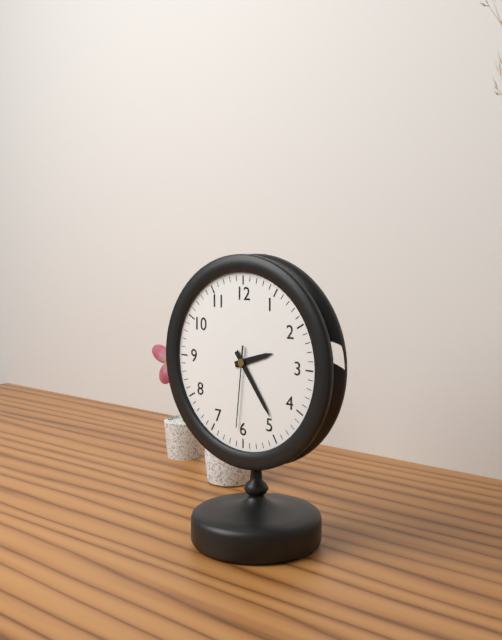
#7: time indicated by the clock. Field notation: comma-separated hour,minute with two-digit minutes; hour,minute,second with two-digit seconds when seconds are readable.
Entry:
2,24,31
